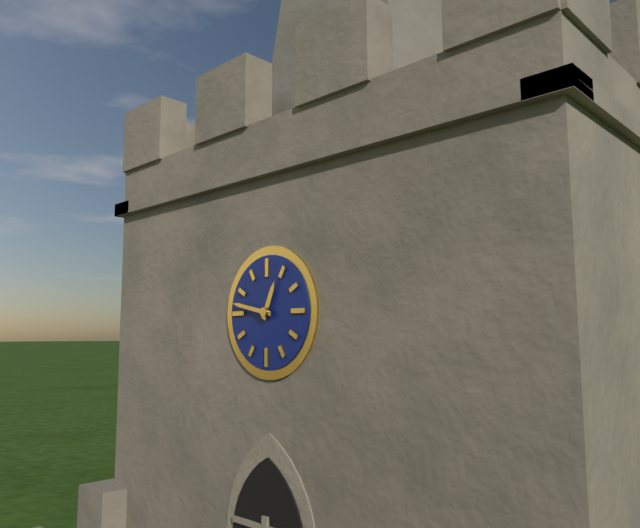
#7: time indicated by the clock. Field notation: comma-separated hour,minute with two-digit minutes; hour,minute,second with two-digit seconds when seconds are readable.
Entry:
12,47
